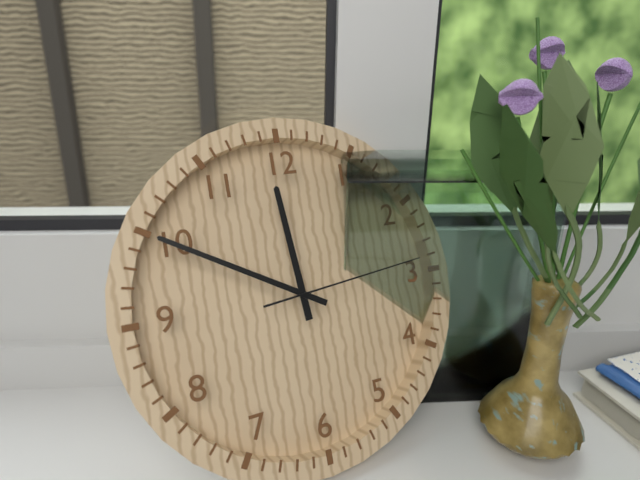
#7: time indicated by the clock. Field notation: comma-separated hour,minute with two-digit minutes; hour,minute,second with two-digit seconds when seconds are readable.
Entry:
11,50,14
